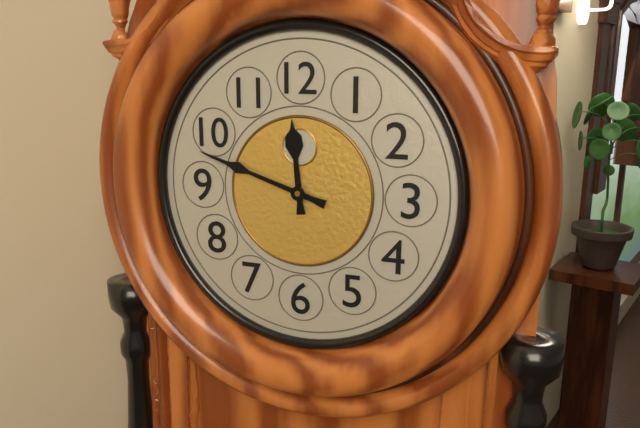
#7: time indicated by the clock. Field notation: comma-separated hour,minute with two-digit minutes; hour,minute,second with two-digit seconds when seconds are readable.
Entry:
11,48
